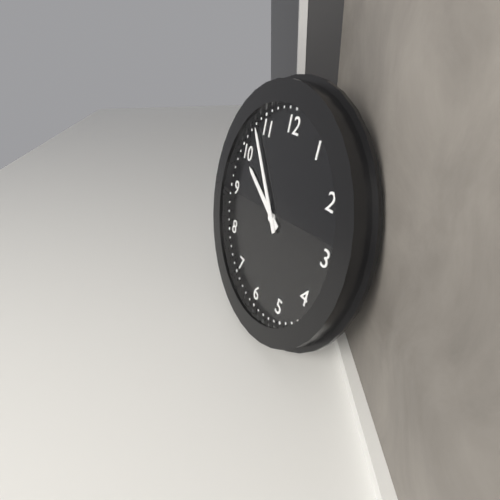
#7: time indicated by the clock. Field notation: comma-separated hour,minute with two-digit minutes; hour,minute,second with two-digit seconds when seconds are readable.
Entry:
9,53
